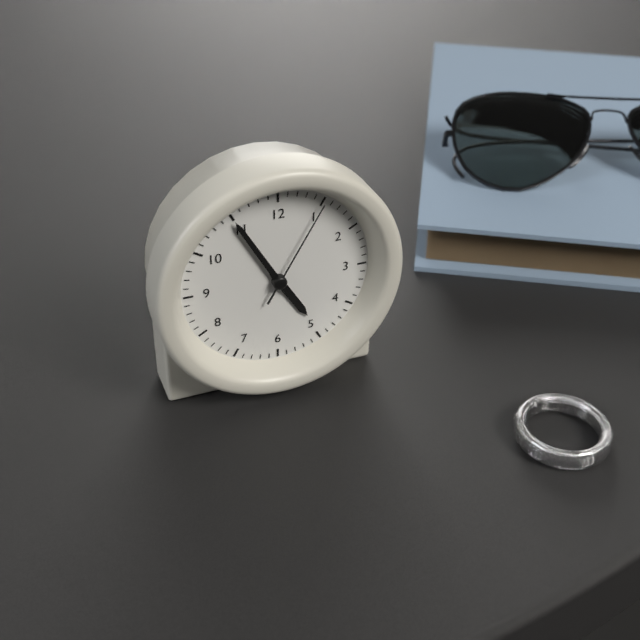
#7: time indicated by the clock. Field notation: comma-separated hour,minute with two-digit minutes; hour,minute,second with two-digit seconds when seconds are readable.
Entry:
4,55,05
